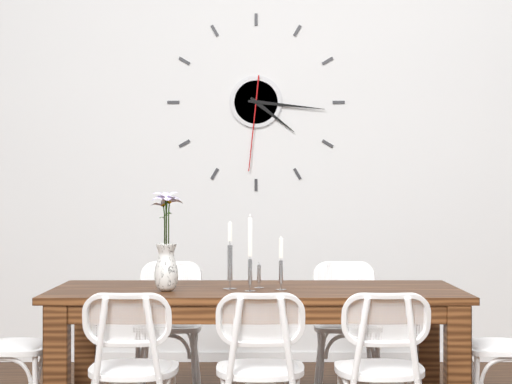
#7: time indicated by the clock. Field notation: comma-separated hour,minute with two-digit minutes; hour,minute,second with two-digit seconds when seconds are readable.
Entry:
4,16,31
